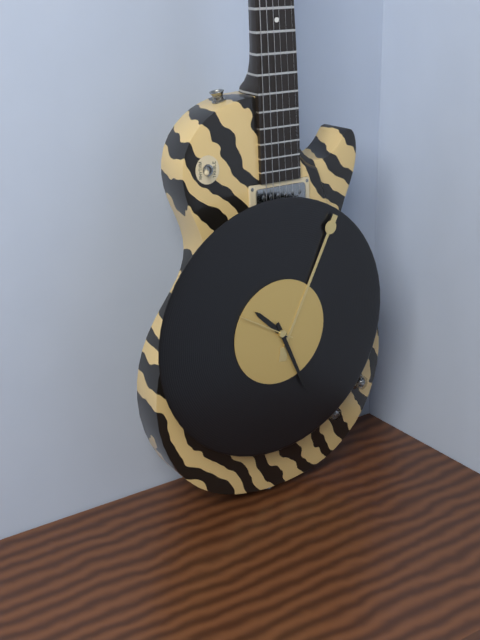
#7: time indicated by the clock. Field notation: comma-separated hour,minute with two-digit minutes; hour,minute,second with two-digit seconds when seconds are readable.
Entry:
10,26,50
